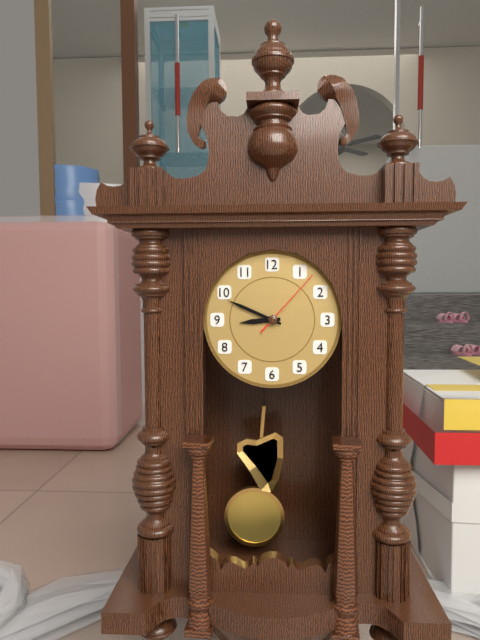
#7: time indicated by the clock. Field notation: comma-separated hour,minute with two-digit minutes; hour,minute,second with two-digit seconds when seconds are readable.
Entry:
8,49,07
